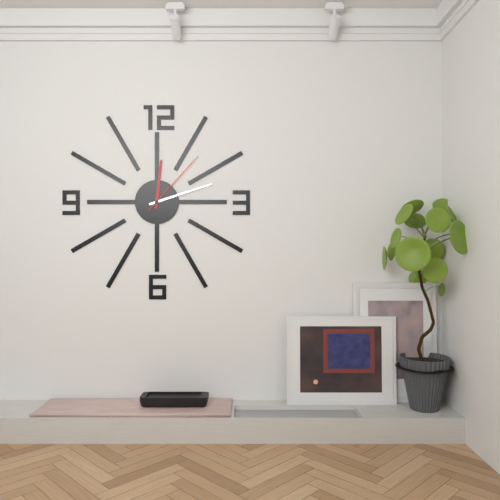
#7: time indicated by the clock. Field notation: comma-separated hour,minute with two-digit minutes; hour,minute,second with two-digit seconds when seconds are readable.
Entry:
12,12,07
